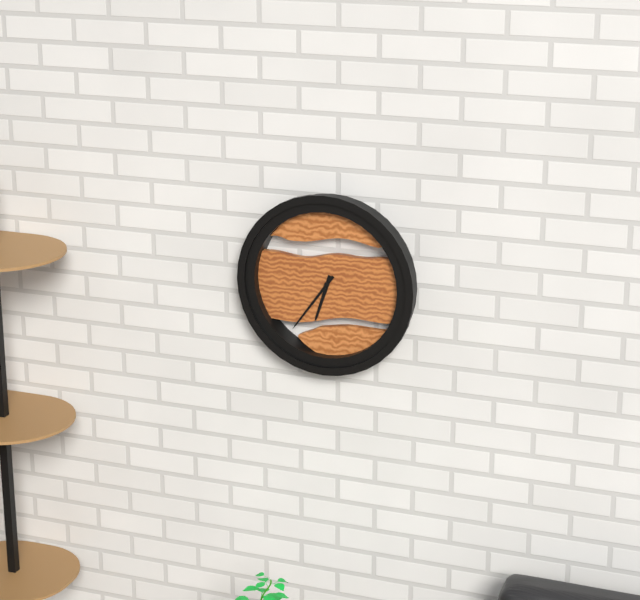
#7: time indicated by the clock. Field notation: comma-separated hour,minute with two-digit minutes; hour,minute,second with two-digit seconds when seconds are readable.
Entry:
6,36
